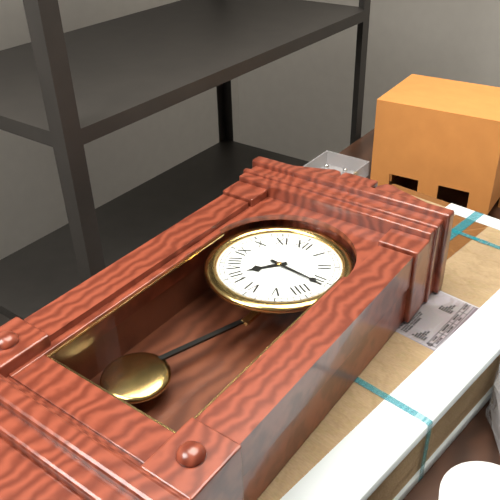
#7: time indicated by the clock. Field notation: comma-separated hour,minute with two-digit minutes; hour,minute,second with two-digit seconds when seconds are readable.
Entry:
7,16
